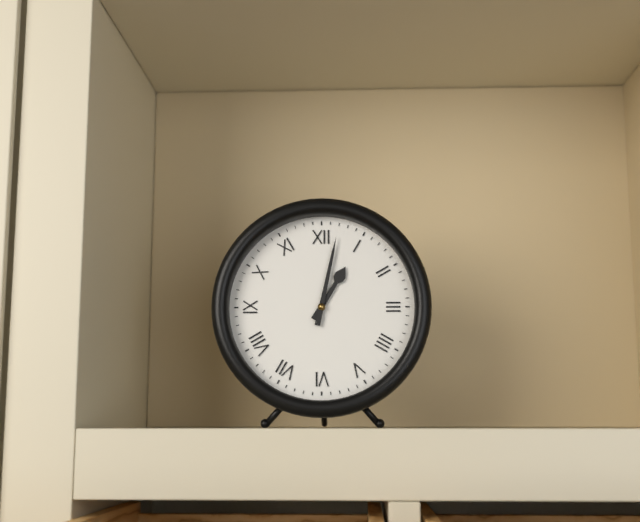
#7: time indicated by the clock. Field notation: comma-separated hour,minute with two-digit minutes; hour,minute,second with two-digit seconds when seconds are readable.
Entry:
1,02
